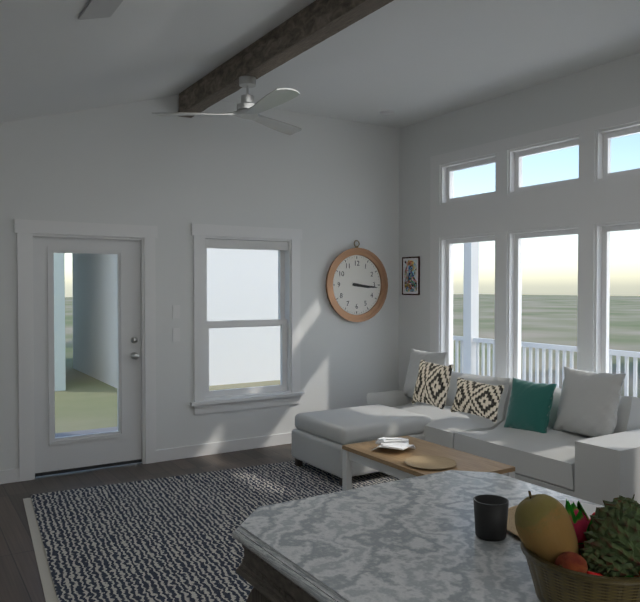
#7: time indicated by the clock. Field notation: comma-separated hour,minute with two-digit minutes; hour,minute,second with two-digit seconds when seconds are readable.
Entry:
3,16
